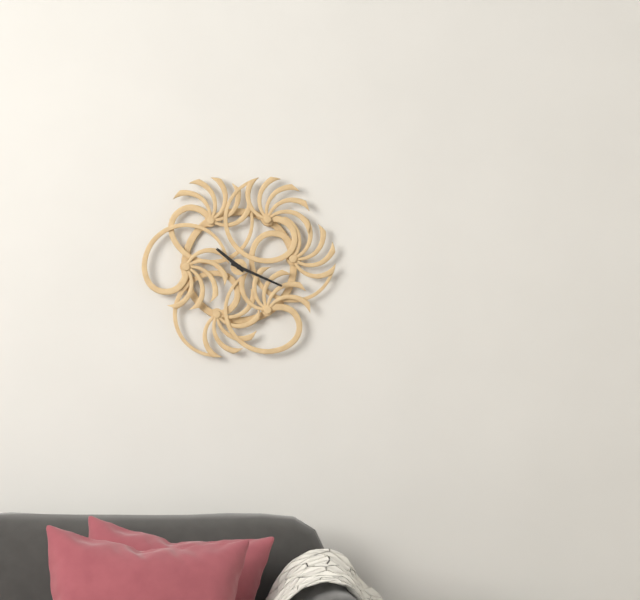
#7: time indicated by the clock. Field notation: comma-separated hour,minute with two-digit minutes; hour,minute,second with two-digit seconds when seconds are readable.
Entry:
10,19
